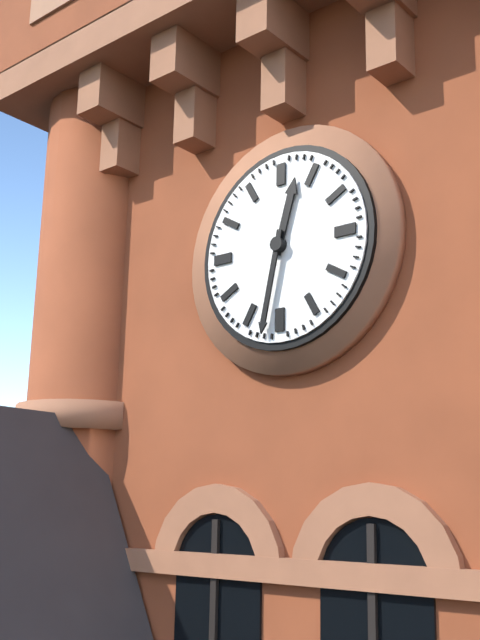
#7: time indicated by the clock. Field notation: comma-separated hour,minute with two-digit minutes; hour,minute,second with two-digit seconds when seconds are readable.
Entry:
12,32
